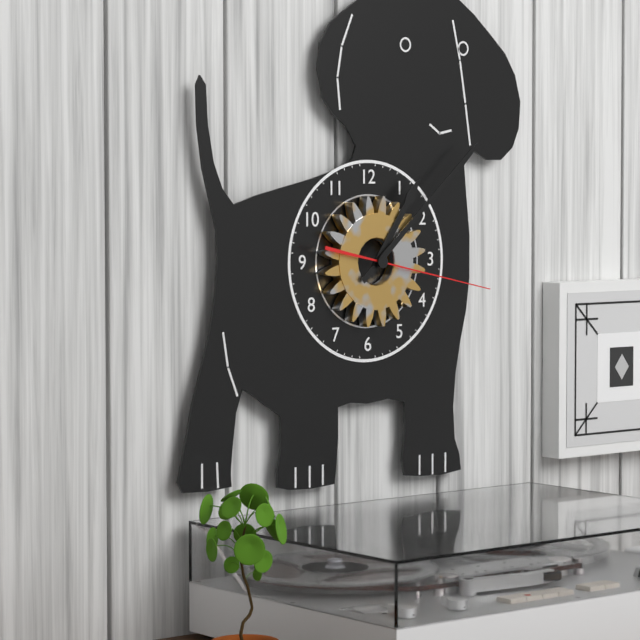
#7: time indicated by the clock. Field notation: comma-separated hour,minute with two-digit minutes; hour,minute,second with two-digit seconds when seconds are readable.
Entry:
1,08,17
